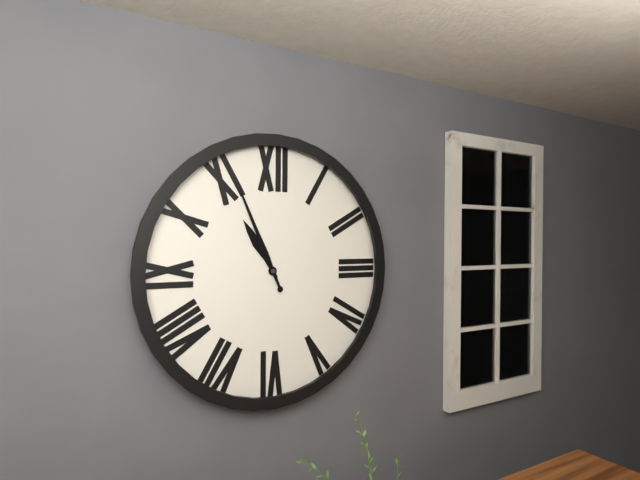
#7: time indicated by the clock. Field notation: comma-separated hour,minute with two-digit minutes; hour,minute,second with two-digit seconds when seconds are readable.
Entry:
10,56
